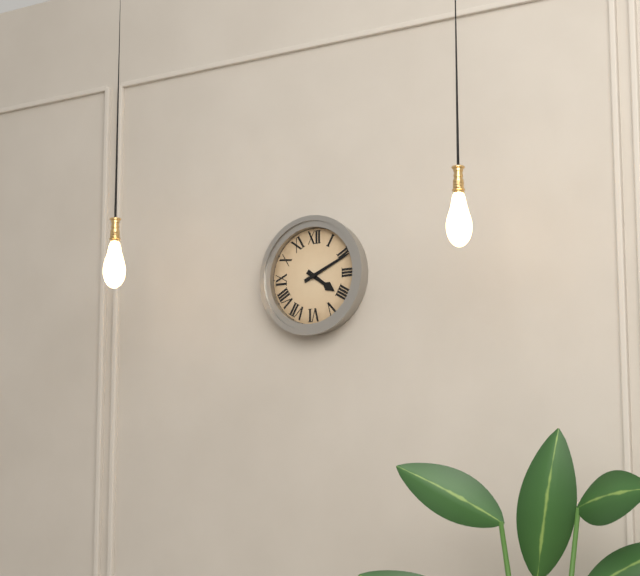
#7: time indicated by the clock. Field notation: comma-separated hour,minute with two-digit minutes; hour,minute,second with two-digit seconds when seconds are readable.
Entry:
4,11
